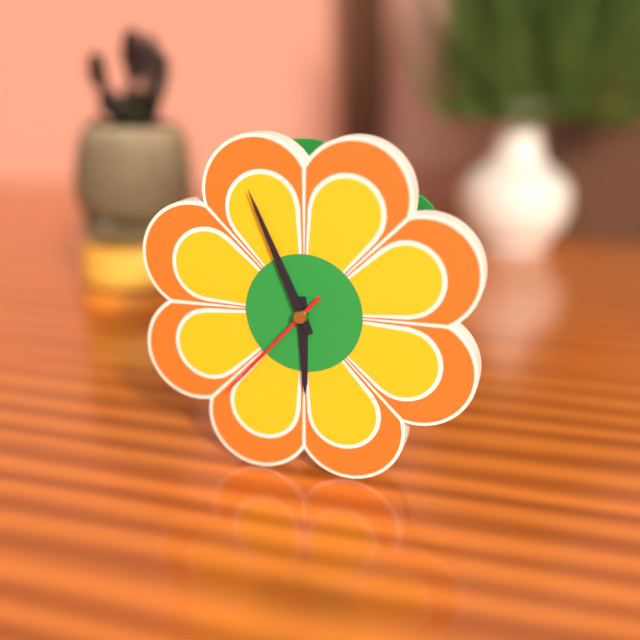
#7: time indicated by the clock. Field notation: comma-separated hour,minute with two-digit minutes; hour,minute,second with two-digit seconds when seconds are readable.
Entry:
5,56,37
